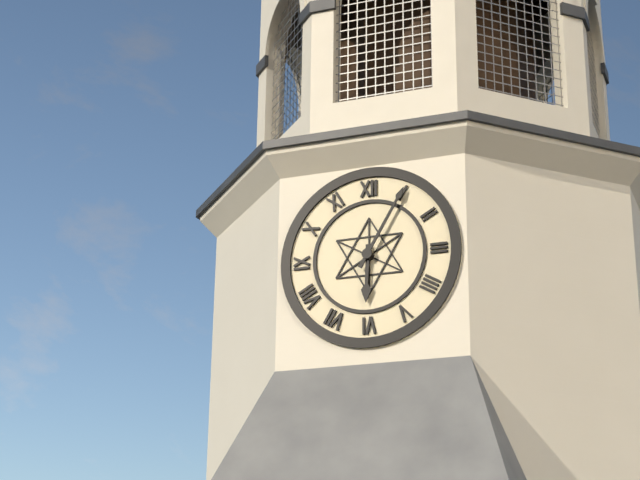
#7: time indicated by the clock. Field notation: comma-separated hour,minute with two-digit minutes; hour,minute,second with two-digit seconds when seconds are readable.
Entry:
6,05
